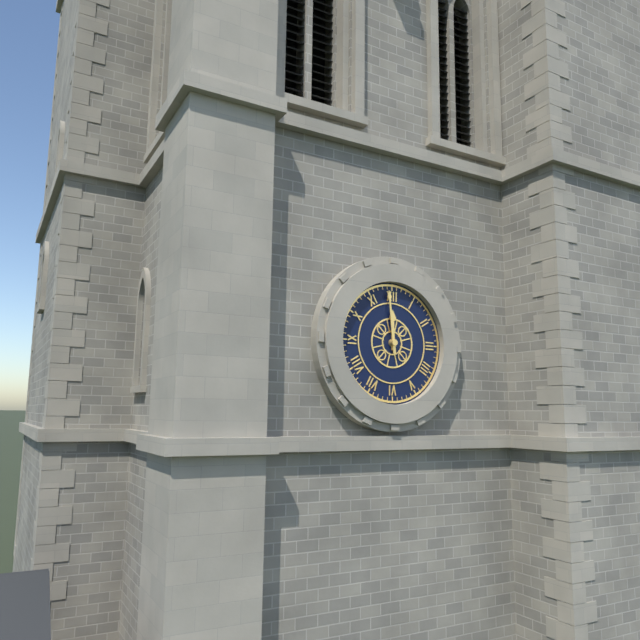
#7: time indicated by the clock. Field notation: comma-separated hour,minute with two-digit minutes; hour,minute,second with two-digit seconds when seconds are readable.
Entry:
11,59
